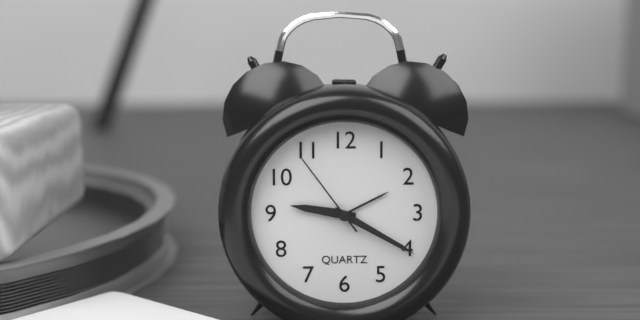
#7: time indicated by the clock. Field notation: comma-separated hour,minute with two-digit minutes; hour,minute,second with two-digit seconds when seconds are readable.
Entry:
9,20,54
